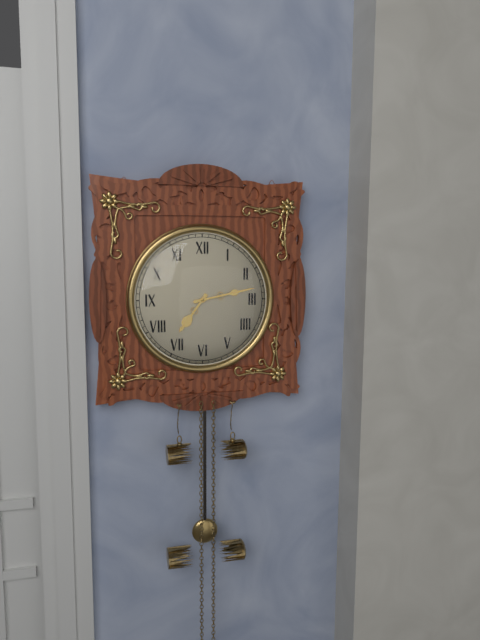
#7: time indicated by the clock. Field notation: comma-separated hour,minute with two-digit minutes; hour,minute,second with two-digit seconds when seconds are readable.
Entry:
7,13
